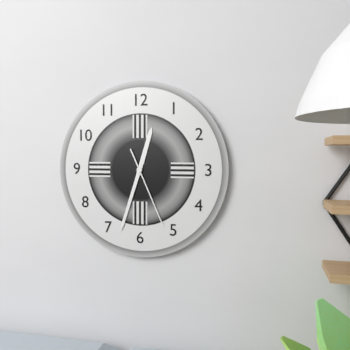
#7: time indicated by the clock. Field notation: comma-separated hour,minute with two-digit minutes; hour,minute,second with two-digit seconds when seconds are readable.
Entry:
12,33,26
